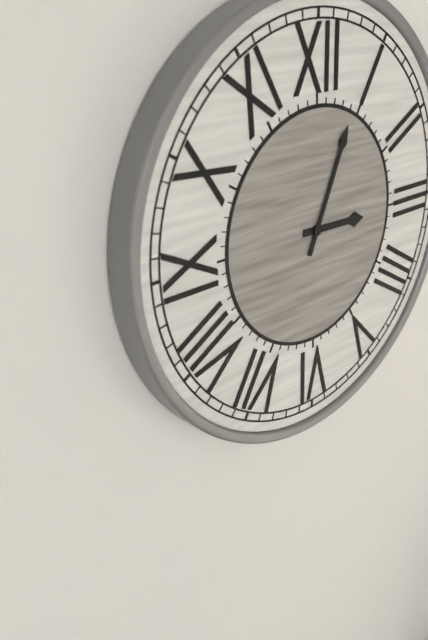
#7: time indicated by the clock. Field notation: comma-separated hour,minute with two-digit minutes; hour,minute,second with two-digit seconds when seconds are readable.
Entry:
3,04
